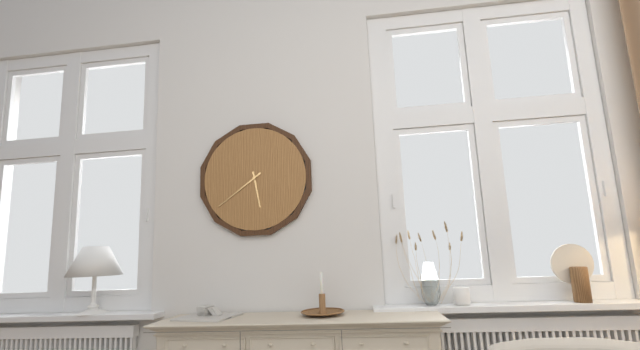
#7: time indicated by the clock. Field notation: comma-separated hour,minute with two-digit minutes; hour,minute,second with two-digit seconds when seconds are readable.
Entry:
5,39
